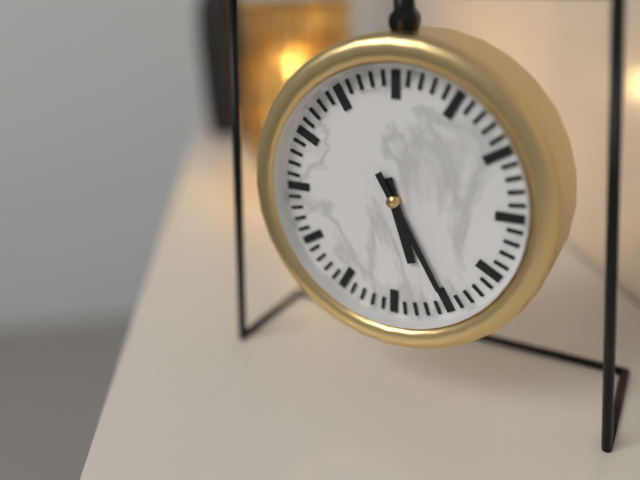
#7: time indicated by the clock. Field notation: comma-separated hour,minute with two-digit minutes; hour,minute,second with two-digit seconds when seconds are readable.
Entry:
5,25
